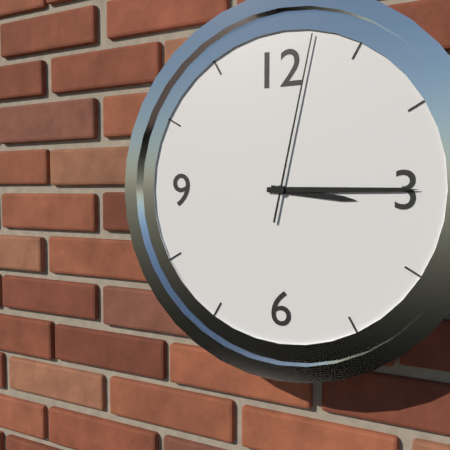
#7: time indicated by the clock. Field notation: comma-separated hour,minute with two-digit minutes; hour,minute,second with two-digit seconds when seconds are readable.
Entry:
3,15,02
